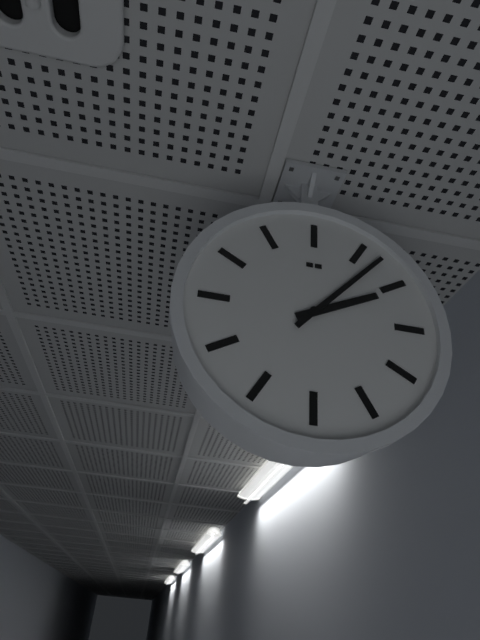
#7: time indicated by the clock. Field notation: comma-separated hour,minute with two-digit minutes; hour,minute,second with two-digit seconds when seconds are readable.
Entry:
2,07
